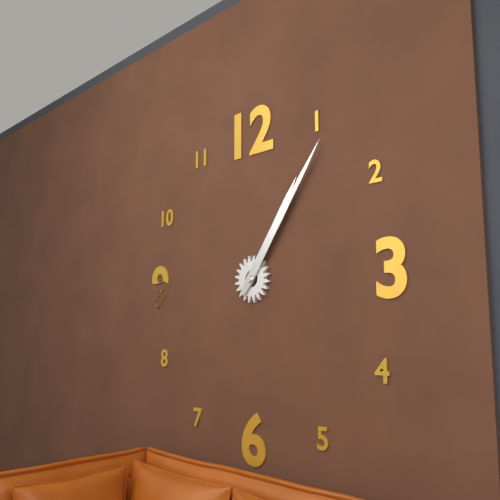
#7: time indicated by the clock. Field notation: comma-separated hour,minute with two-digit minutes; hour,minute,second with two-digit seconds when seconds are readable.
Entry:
1,06
